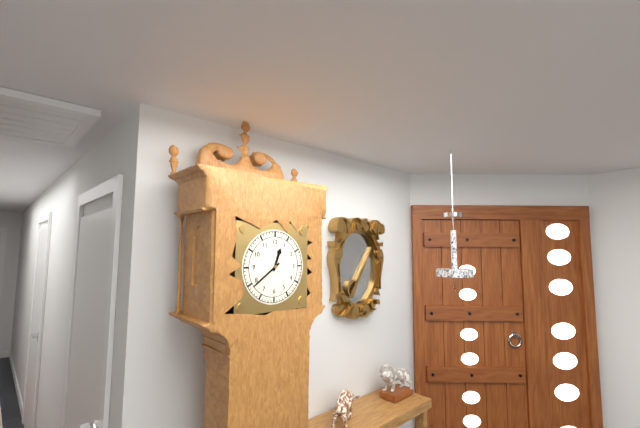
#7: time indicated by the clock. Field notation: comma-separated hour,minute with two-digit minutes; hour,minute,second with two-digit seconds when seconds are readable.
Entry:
12,39
